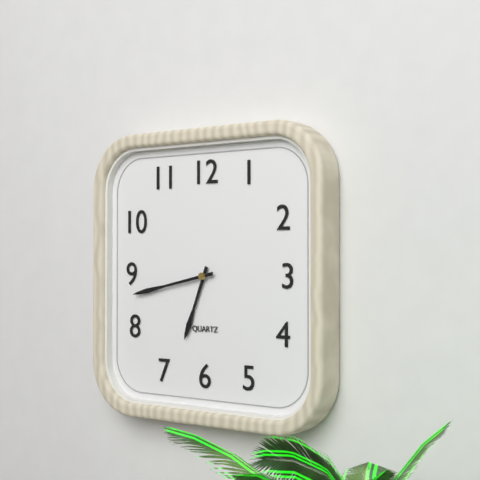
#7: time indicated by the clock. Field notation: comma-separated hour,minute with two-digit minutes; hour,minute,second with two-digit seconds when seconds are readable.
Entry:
6,43
